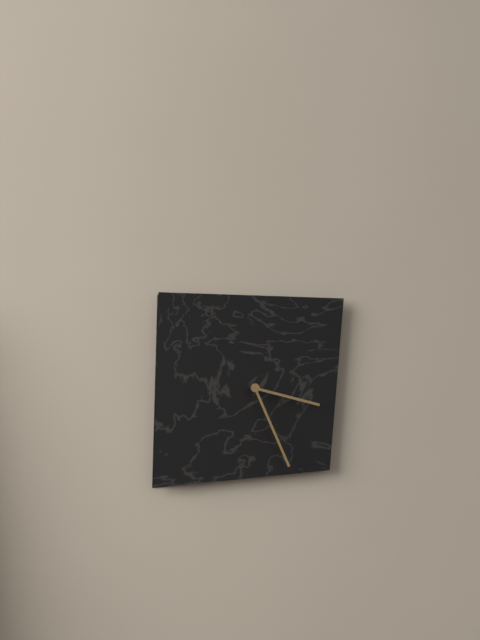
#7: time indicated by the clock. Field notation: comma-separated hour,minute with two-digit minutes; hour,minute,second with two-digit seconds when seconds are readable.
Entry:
3,26
